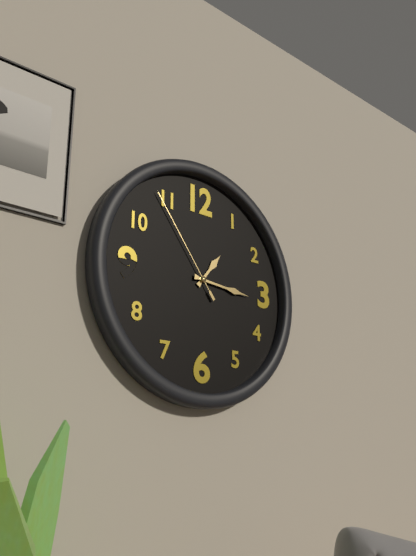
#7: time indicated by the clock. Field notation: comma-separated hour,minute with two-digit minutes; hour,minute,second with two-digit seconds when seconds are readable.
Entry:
1,16,54
